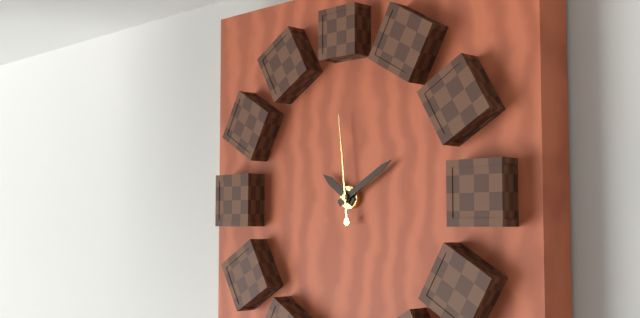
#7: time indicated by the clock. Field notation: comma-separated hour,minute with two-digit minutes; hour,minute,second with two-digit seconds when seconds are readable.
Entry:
10,10,59
